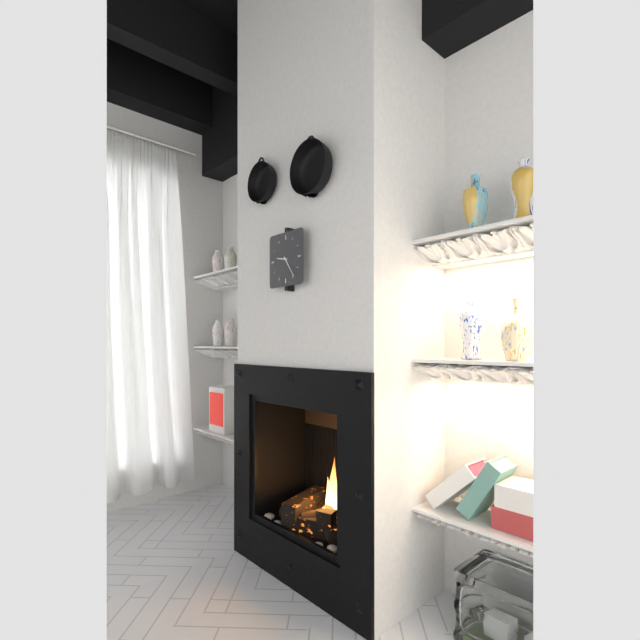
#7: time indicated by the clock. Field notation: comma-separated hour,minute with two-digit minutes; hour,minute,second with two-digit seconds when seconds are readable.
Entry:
9,24
